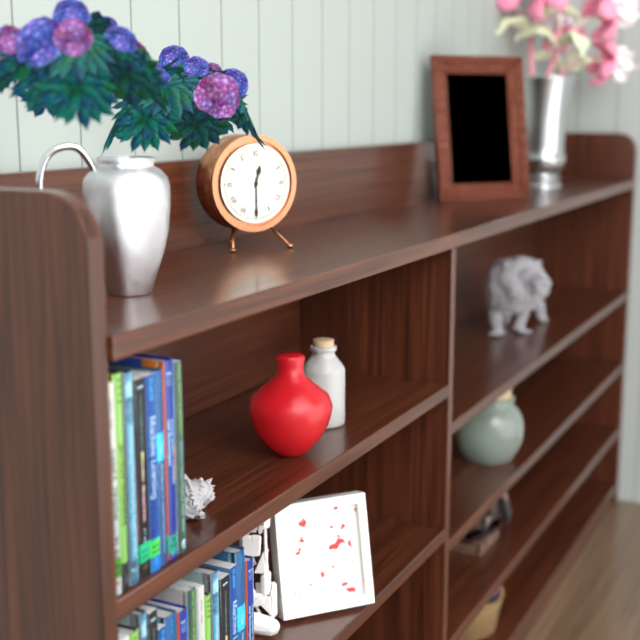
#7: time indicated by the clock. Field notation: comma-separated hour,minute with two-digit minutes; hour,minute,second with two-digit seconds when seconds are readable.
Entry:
12,30
